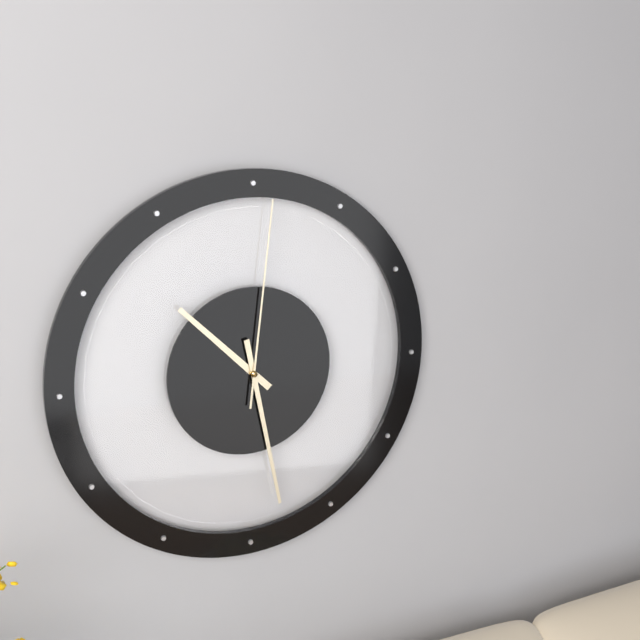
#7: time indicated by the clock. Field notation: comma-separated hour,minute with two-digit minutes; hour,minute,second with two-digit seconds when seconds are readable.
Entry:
10,28,01
